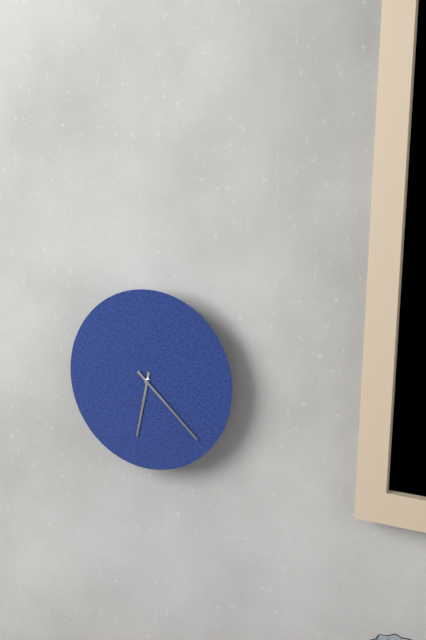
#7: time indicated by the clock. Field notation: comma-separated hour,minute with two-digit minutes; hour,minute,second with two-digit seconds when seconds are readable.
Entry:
6,22
